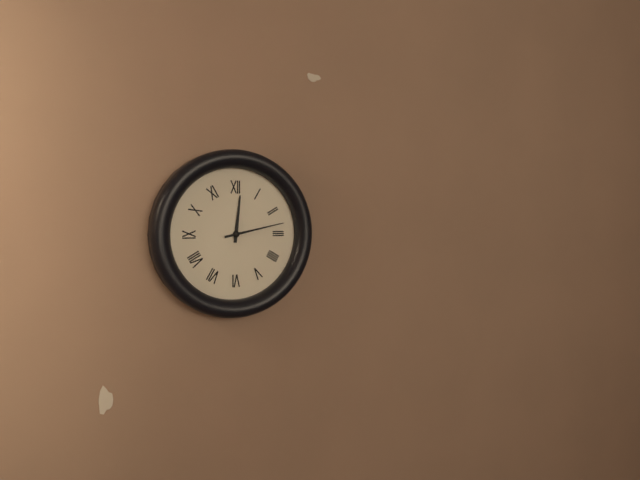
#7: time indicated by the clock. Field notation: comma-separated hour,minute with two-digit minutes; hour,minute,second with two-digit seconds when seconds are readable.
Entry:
12,13
